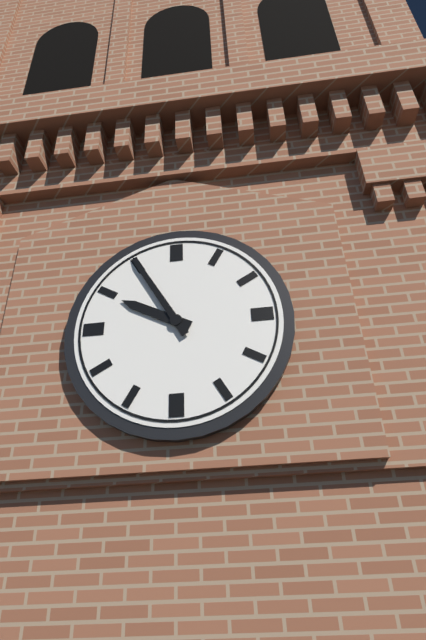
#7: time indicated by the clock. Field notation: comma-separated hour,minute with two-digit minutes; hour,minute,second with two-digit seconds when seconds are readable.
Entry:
9,55
